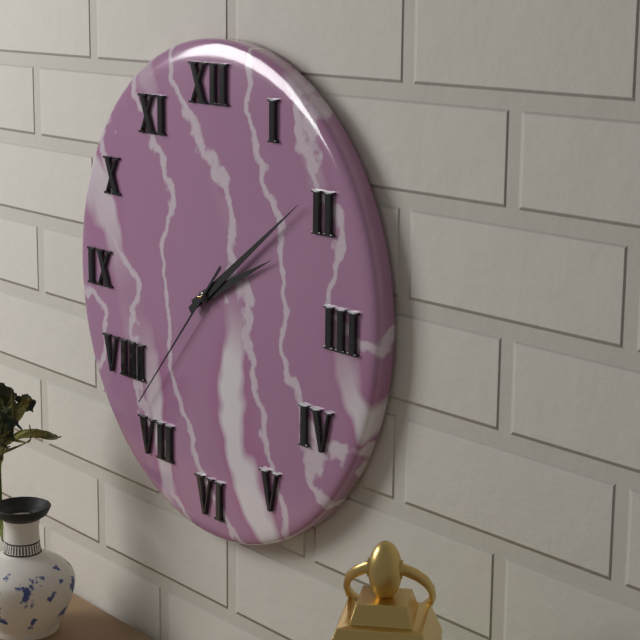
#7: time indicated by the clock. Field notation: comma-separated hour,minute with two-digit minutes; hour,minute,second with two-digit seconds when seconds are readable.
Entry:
2,09,37
